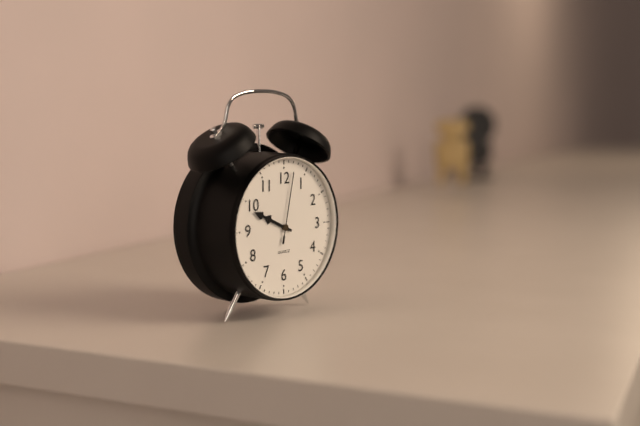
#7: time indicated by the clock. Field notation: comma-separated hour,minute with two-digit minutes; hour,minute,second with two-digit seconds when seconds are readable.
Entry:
9,49,02
